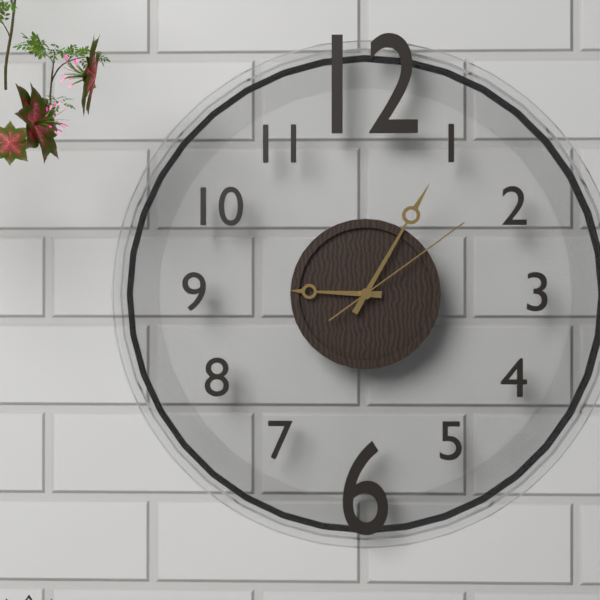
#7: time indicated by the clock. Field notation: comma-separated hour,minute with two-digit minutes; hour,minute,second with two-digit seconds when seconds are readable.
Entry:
9,05,09
